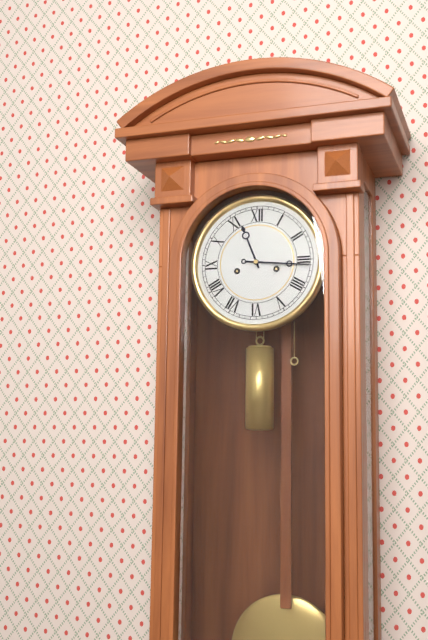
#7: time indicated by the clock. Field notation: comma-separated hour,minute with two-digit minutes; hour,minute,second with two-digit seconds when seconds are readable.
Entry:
11,16
